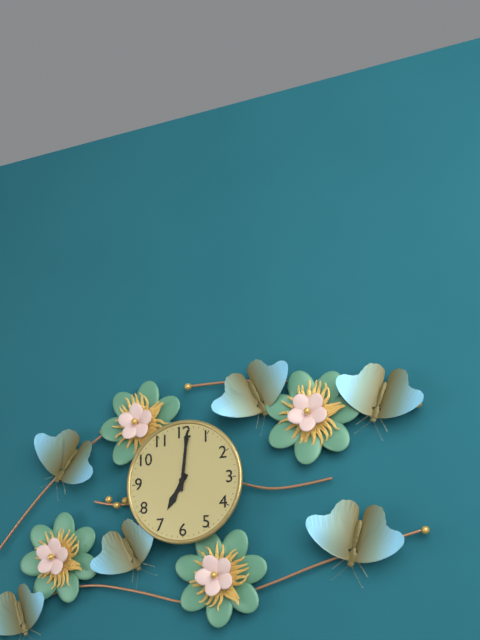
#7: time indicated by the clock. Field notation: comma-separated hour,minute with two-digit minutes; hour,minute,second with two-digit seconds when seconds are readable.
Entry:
7,01
